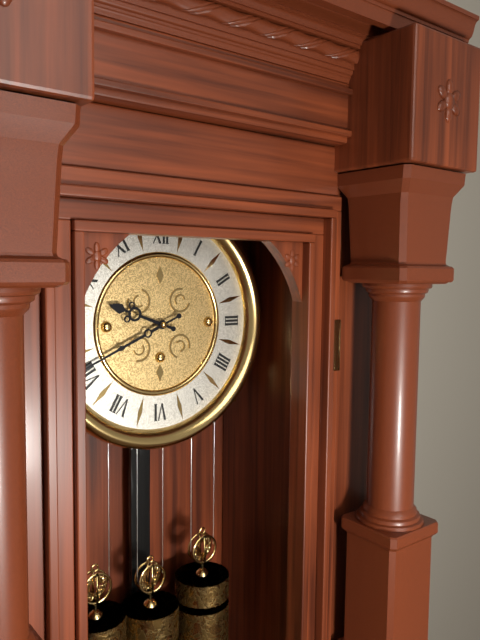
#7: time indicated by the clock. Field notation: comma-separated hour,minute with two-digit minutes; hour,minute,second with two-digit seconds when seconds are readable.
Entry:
9,41
